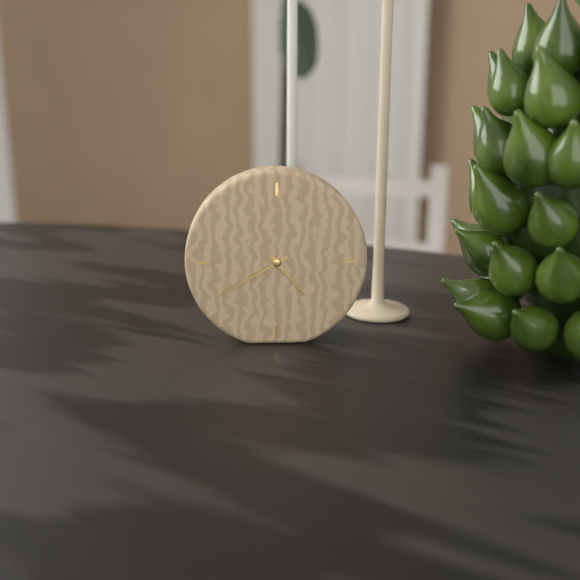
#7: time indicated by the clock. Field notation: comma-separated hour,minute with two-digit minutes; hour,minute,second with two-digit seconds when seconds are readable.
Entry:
4,40
